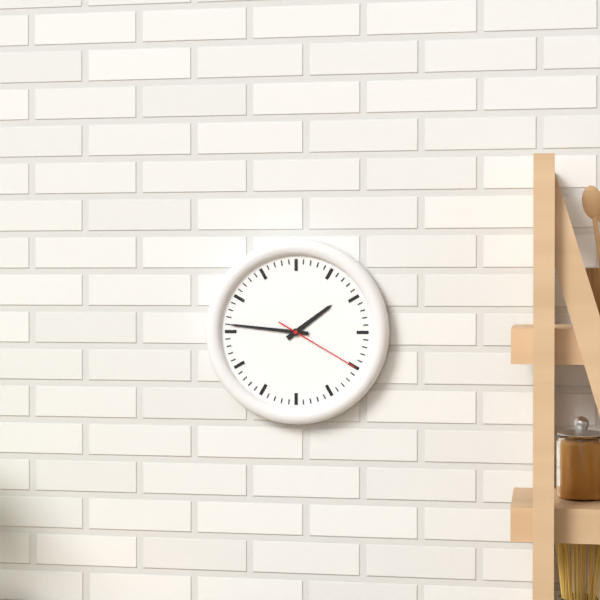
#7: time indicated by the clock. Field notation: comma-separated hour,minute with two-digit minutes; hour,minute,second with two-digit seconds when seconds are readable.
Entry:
1,46,20
